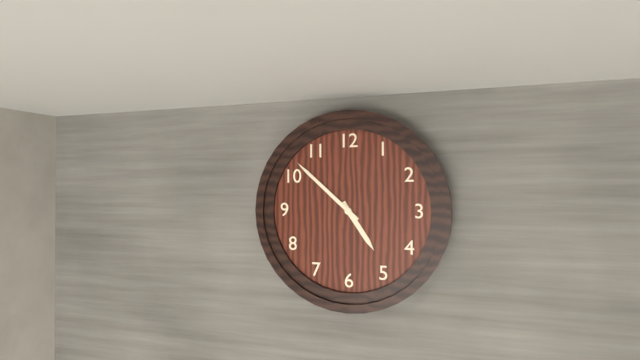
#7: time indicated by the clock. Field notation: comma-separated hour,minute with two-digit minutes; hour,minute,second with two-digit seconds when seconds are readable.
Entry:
4,52
